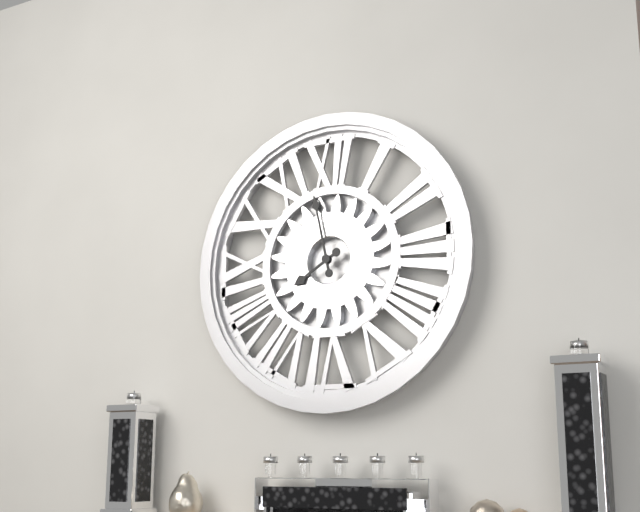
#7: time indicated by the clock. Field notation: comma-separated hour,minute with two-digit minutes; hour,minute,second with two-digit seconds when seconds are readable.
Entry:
7,58
